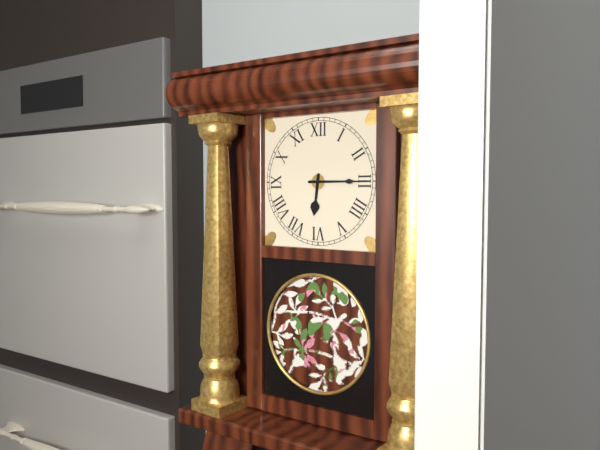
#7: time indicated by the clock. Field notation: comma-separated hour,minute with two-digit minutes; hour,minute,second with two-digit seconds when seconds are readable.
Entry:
6,15
